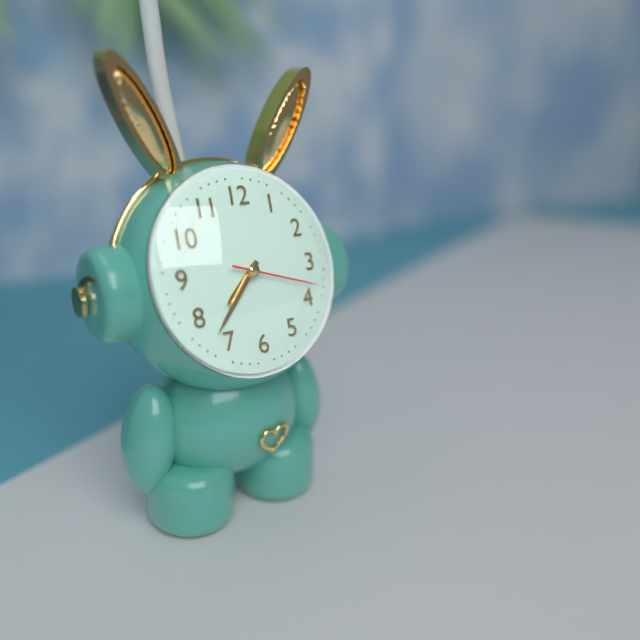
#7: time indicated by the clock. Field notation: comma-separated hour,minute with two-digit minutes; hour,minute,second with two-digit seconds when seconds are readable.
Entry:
7,37,18
